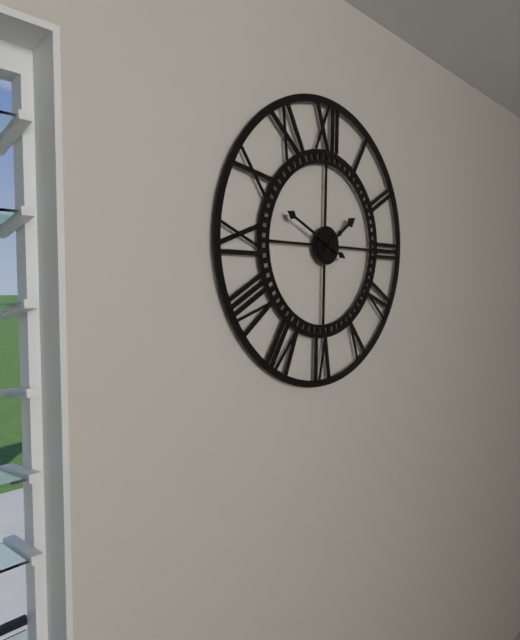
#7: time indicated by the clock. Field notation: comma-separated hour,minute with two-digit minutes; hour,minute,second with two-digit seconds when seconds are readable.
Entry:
1,49
